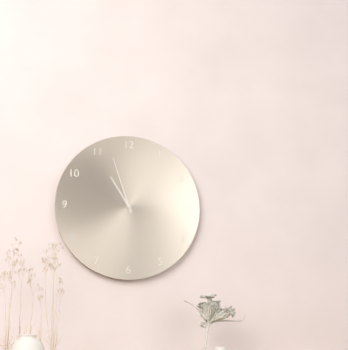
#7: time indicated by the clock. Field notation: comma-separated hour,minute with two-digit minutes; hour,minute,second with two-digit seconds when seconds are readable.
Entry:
10,57
